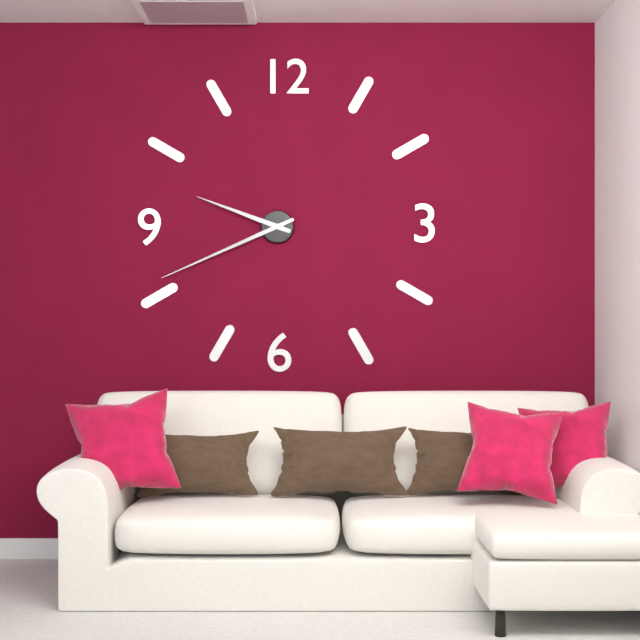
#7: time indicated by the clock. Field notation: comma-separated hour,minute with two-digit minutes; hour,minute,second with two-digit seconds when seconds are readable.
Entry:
9,41
